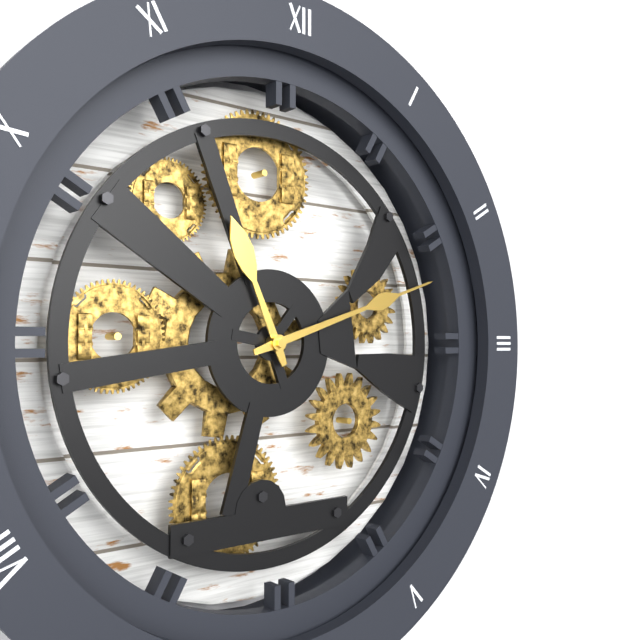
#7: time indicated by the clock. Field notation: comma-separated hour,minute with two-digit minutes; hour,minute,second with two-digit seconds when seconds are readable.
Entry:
11,12
